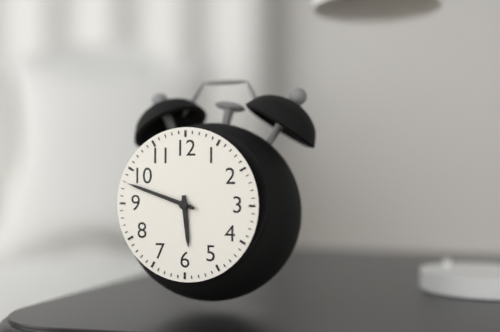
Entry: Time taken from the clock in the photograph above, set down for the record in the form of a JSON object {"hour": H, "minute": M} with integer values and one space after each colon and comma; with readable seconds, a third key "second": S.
{"hour": 5, "minute": 48}
